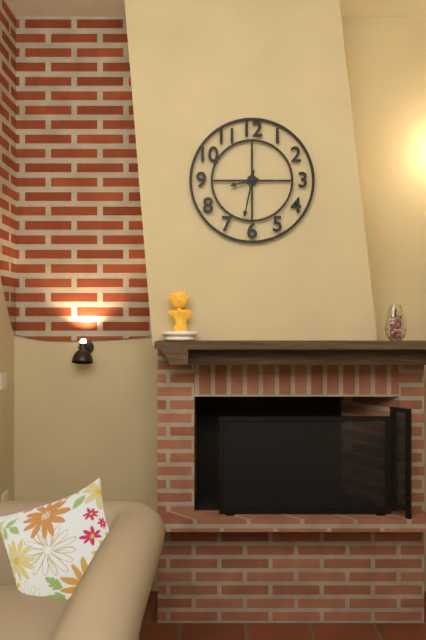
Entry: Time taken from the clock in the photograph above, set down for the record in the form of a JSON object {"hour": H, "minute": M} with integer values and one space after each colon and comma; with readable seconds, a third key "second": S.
{"hour": 8, "minute": 32}
